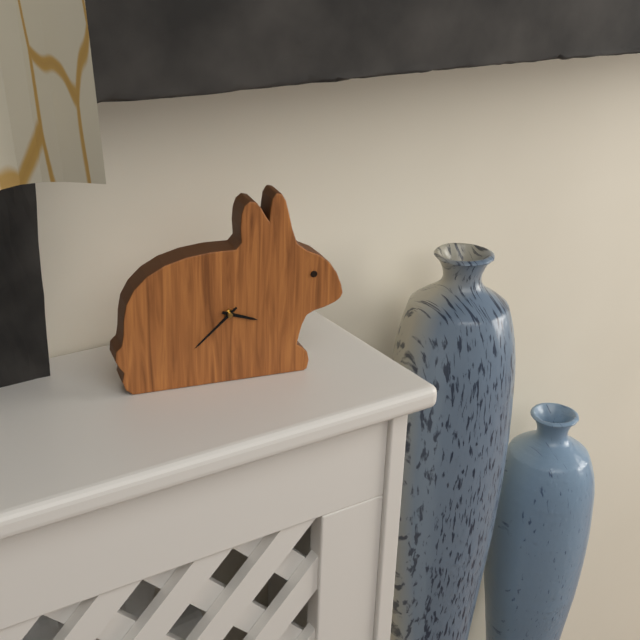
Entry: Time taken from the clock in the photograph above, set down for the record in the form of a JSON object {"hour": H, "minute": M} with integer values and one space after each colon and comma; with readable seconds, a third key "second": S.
{"hour": 3, "minute": 38}
